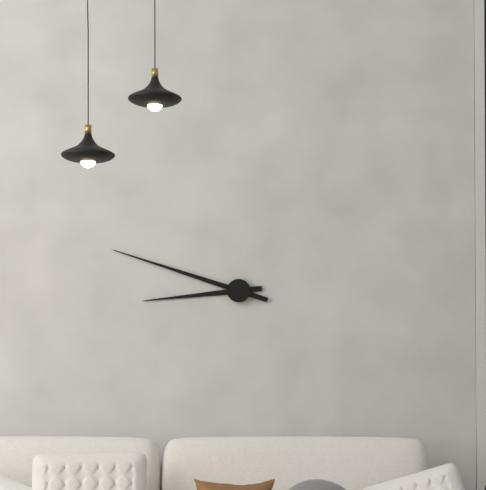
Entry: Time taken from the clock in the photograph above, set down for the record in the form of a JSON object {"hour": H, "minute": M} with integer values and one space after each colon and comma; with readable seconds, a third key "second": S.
{"hour": 8, "minute": 48}
